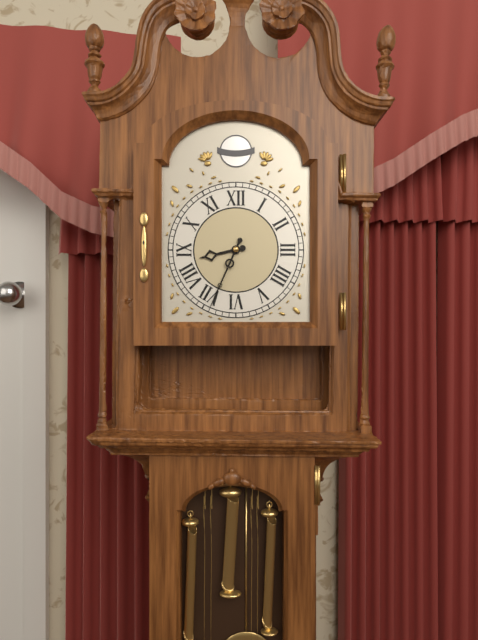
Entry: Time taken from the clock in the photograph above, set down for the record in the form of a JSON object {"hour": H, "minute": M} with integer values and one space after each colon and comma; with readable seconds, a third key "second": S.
{"hour": 8, "minute": 34}
